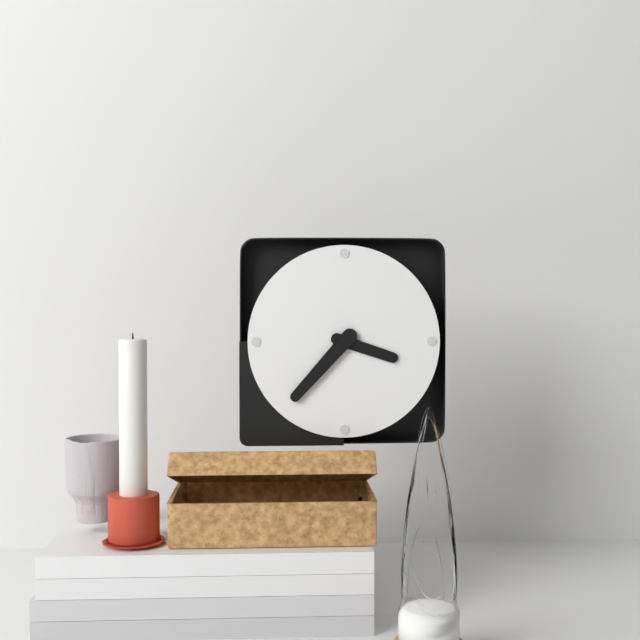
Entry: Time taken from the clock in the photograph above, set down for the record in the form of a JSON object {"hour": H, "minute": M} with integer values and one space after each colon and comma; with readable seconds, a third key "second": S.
{"hour": 3, "minute": 37}
